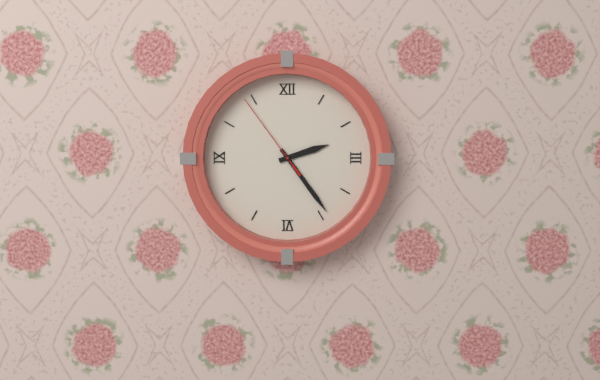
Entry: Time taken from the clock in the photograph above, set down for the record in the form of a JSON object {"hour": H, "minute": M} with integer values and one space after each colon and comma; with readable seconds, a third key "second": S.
{"hour": 2, "minute": 24, "second": 54}
